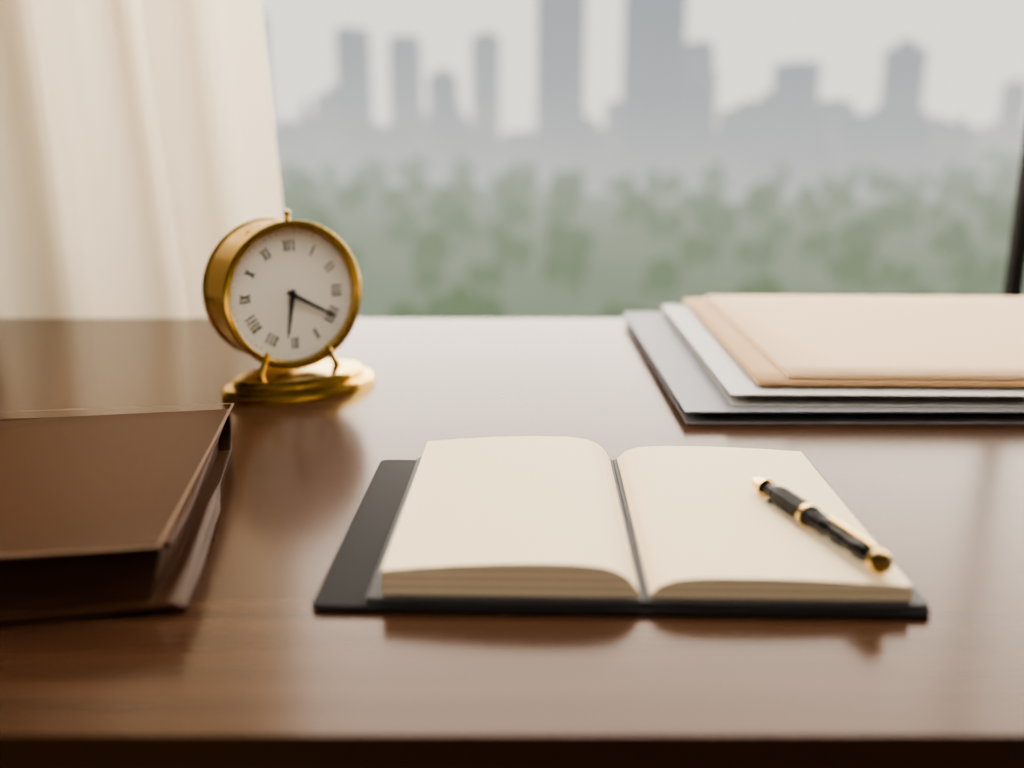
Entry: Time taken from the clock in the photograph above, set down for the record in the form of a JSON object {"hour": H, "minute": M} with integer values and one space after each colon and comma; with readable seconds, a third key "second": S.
{"hour": 6, "minute": 20}
